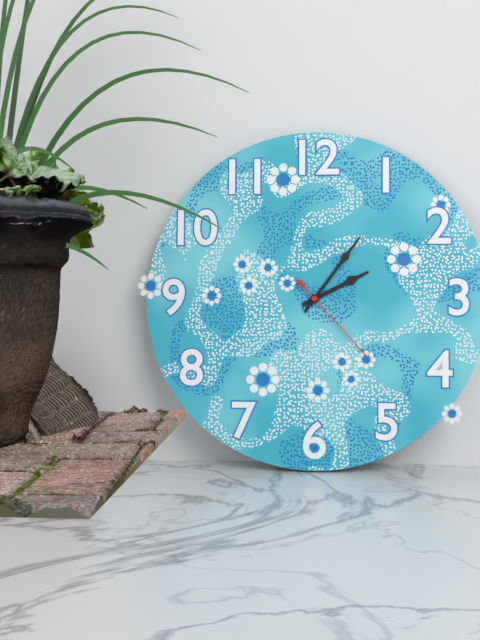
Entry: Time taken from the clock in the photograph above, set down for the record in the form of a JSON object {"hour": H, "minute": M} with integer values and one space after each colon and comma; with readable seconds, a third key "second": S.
{"hour": 2, "minute": 6, "second": 23}
